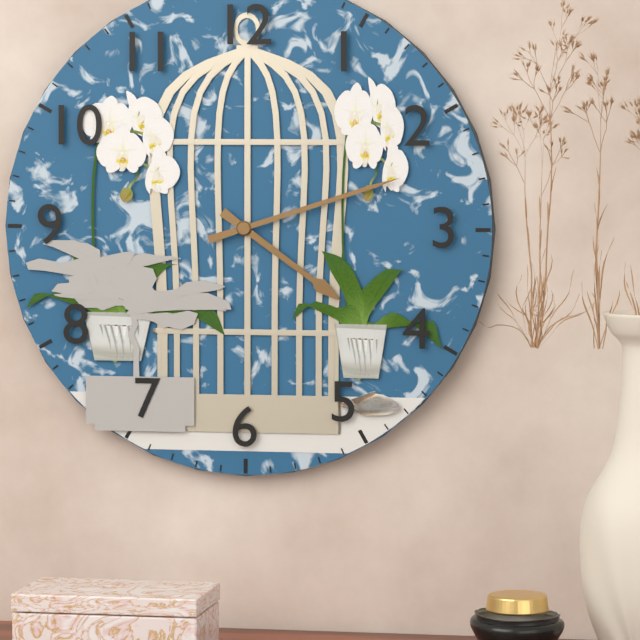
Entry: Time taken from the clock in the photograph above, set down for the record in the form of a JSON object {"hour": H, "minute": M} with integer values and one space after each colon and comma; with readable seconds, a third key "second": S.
{"hour": 4, "minute": 12}
